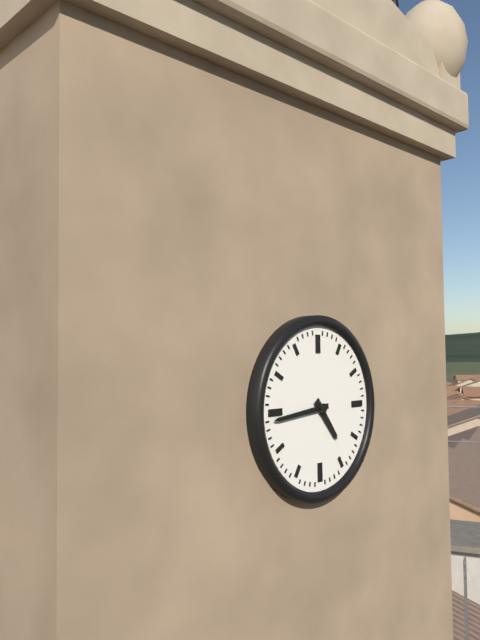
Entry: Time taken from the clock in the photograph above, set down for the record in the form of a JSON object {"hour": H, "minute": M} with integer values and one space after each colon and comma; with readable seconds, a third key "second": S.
{"hour": 4, "minute": 44}
